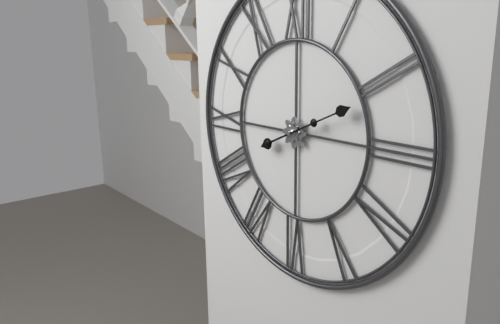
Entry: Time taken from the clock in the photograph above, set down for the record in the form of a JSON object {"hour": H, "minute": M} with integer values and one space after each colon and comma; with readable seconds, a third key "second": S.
{"hour": 8, "minute": 11}
